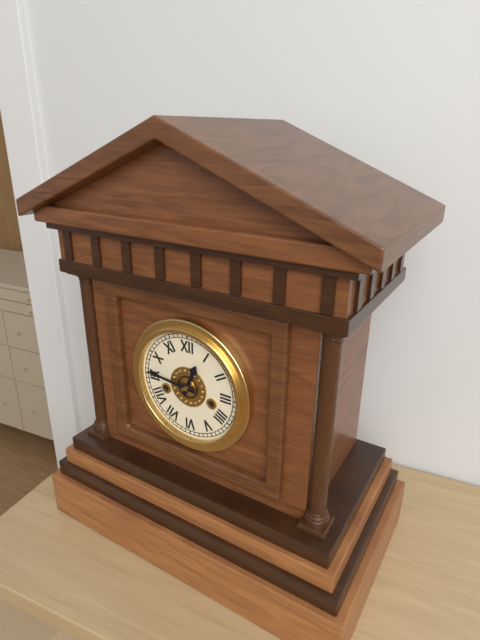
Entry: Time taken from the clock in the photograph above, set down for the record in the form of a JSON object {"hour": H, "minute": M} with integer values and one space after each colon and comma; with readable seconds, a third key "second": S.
{"hour": 12, "minute": 46}
